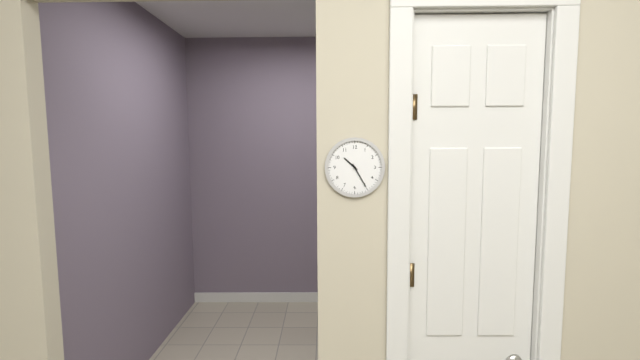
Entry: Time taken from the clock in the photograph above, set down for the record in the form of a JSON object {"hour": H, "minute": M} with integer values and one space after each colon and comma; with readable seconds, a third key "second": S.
{"hour": 10, "minute": 25}
